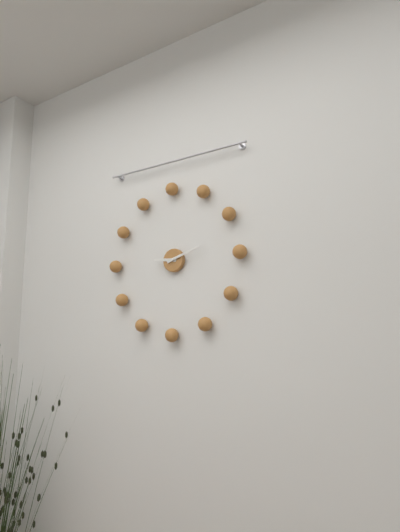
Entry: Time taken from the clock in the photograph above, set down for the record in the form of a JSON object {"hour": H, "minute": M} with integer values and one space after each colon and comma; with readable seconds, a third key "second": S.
{"hour": 9, "minute": 12}
